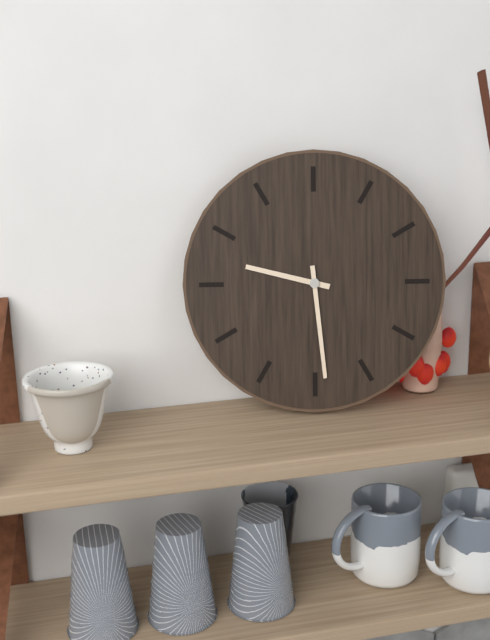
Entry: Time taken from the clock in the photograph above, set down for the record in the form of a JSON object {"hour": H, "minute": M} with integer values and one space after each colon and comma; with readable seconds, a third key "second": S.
{"hour": 9, "minute": 29}
